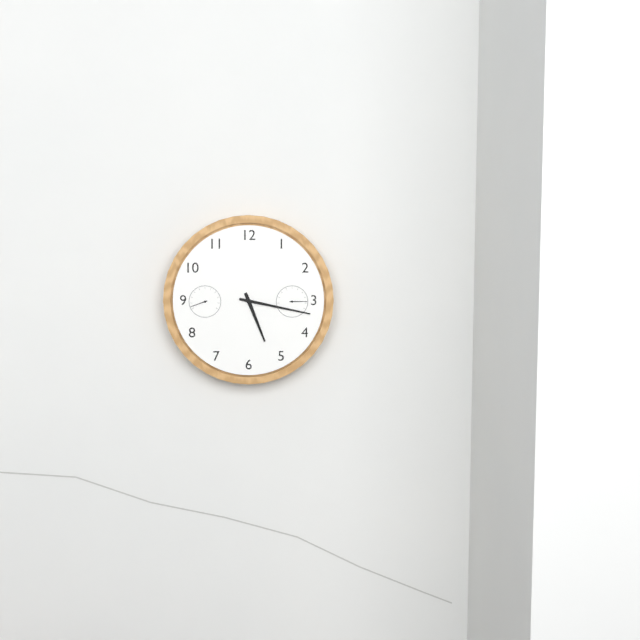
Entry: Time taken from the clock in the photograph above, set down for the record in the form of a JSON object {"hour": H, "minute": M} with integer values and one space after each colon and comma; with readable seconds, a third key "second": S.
{"hour": 5, "minute": 17}
